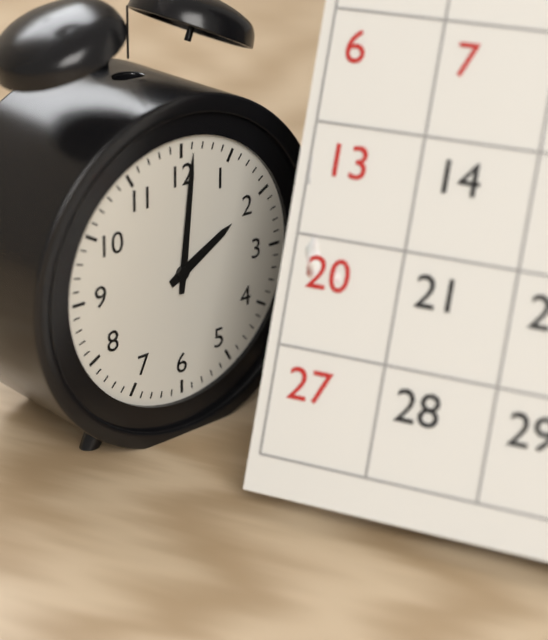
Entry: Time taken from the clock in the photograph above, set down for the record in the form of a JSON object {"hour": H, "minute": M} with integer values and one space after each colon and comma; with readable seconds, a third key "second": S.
{"hour": 2, "minute": 1}
